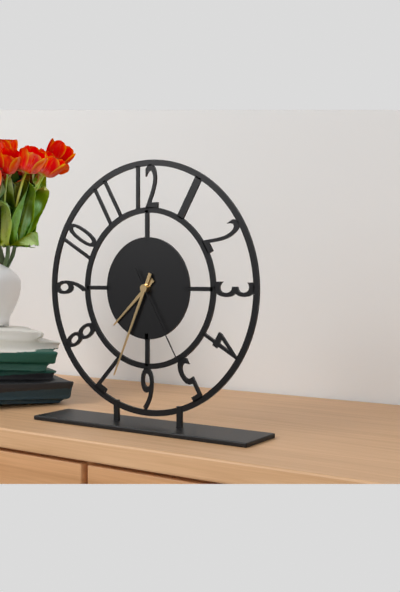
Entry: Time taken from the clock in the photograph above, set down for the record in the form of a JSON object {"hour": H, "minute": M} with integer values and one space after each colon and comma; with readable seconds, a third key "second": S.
{"hour": 7, "minute": 34, "second": 25}
